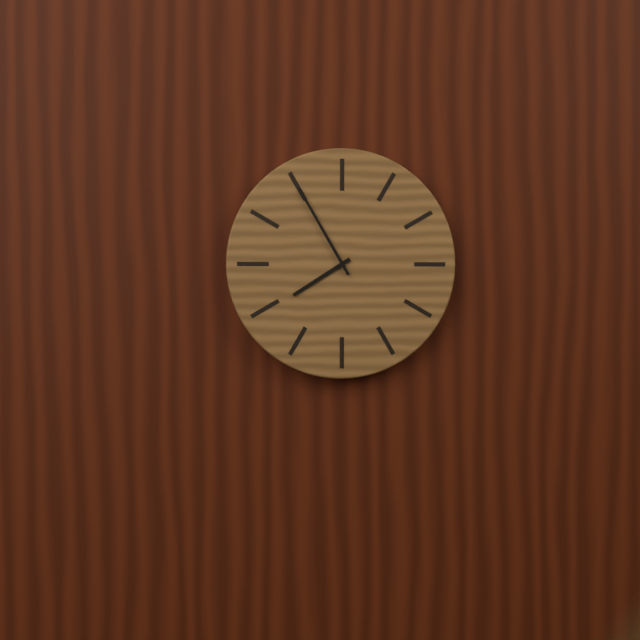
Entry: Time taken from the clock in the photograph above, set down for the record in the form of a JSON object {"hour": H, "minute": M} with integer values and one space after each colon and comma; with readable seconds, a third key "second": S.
{"hour": 7, "minute": 55}
